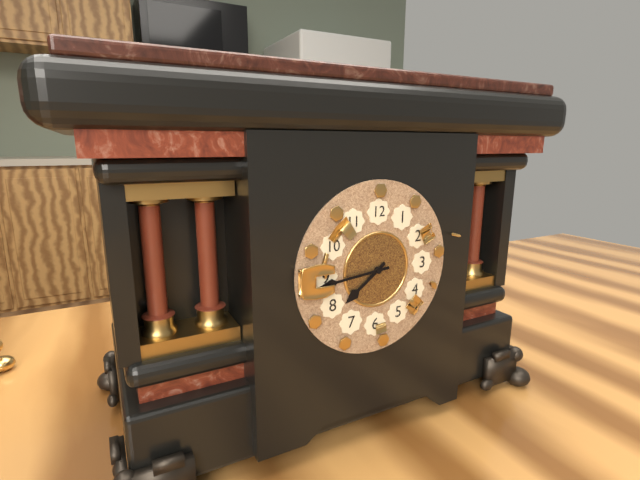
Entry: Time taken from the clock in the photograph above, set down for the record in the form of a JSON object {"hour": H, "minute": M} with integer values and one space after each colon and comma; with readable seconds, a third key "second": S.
{"hour": 7, "minute": 44}
